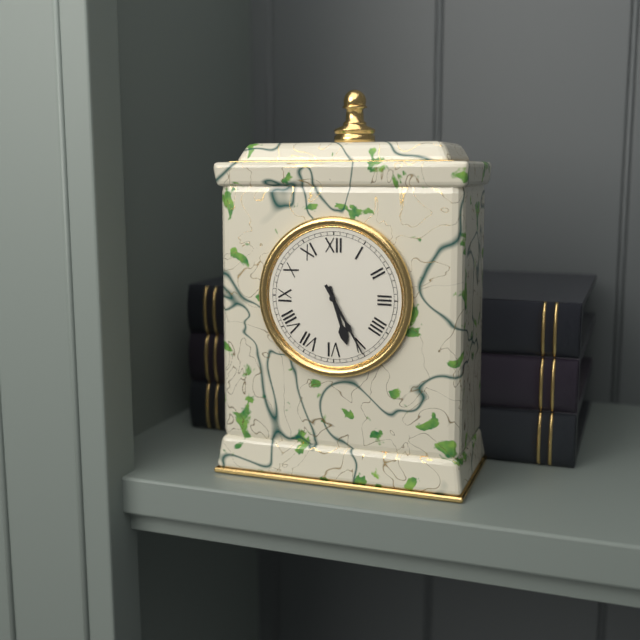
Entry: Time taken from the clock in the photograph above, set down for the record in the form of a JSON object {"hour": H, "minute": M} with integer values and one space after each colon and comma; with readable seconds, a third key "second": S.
{"hour": 5, "minute": 25}
